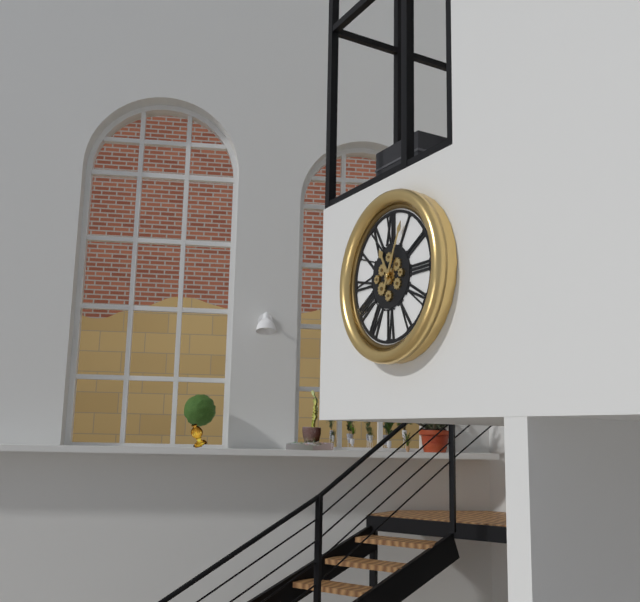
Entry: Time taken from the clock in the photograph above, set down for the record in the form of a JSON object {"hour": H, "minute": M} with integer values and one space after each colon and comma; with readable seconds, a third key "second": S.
{"hour": 11, "minute": 4}
